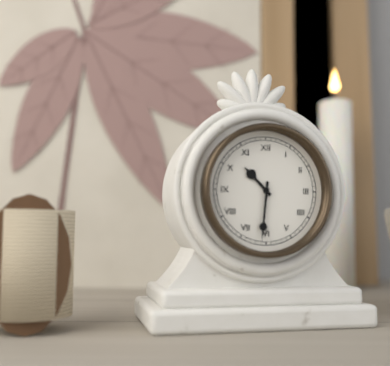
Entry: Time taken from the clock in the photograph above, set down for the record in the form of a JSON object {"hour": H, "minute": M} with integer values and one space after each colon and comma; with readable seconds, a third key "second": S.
{"hour": 10, "minute": 31}
